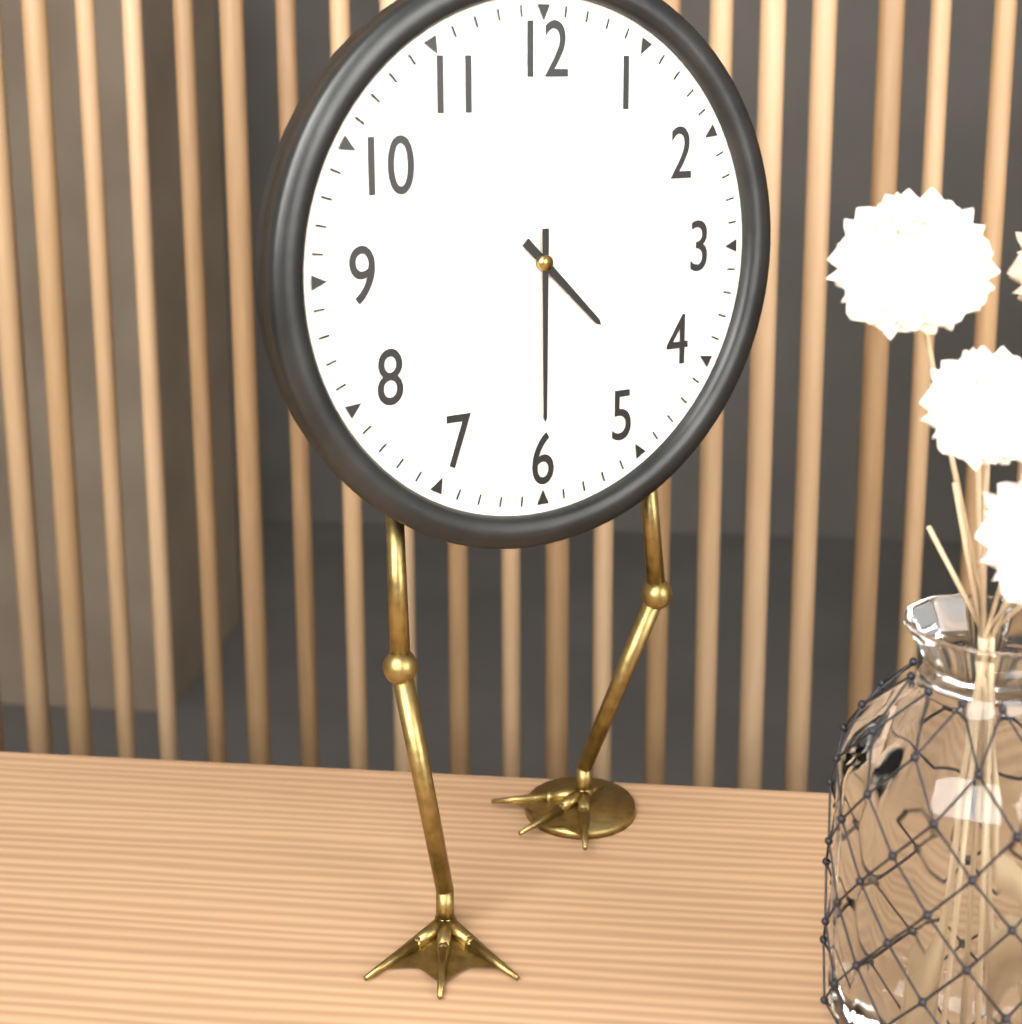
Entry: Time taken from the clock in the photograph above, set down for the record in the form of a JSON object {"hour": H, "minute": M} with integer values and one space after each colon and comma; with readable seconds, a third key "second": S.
{"hour": 4, "minute": 30}
